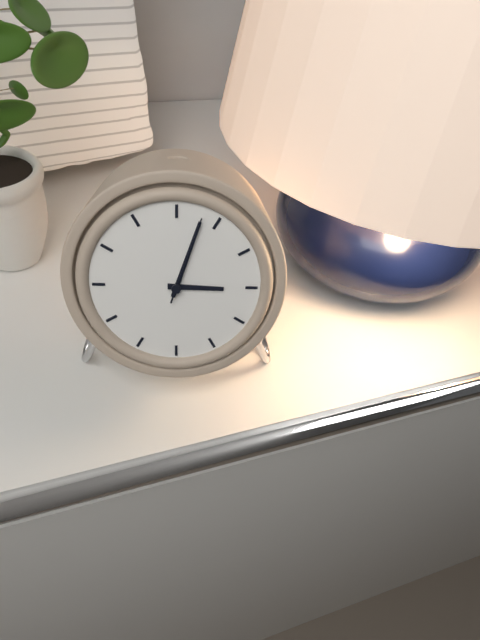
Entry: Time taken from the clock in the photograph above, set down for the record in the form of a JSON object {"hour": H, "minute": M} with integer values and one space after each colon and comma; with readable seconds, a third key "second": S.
{"hour": 3, "minute": 3, "second": 3}
